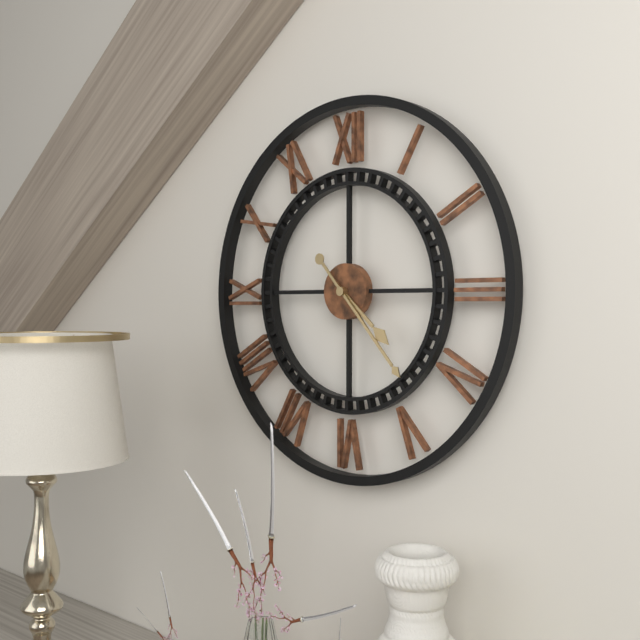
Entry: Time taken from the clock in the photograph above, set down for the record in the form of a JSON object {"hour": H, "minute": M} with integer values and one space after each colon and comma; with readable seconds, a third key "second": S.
{"hour": 4, "minute": 23}
